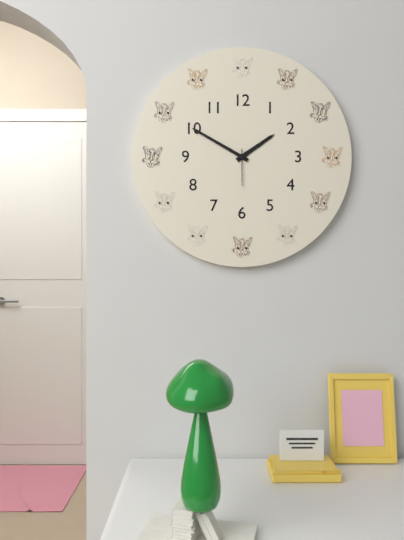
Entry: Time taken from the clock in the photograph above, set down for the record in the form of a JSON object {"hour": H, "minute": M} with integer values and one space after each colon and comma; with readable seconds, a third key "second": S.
{"hour": 1, "minute": 50}
